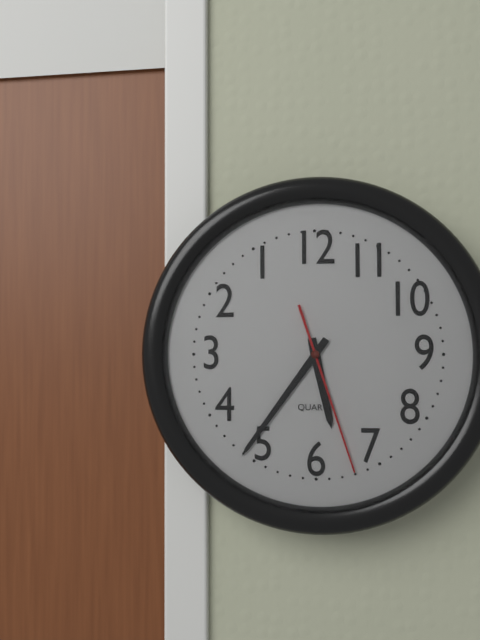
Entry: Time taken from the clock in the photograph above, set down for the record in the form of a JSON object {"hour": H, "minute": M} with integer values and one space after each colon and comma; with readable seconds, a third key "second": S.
{"hour": 5, "minute": 36, "second": 27}
